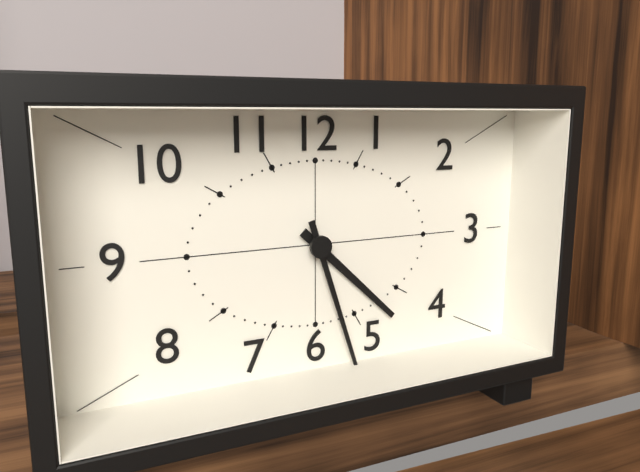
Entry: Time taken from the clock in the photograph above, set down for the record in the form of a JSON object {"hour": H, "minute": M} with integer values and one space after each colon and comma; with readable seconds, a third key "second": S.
{"hour": 4, "minute": 27}
